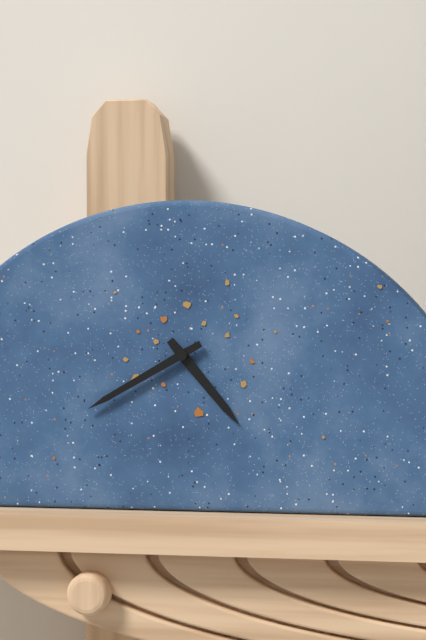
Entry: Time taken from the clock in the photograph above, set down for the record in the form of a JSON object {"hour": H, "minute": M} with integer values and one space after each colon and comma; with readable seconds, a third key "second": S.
{"hour": 4, "minute": 40}
